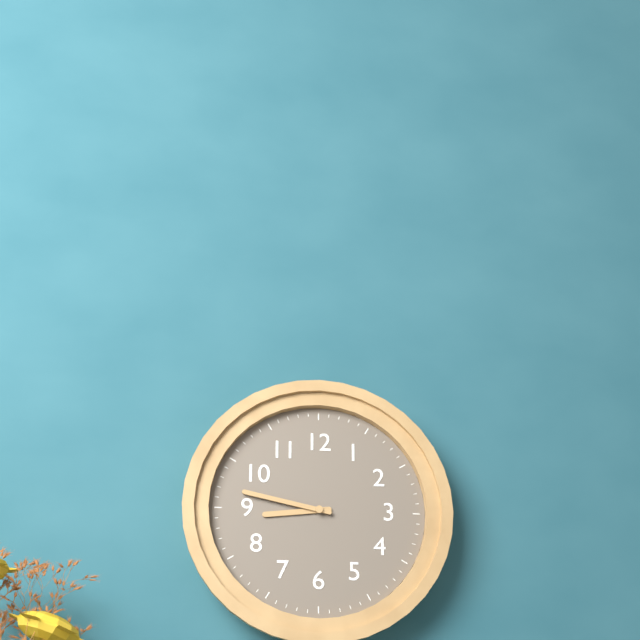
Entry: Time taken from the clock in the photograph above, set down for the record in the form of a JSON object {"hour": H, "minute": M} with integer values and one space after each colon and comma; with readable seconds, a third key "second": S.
{"hour": 8, "minute": 47}
